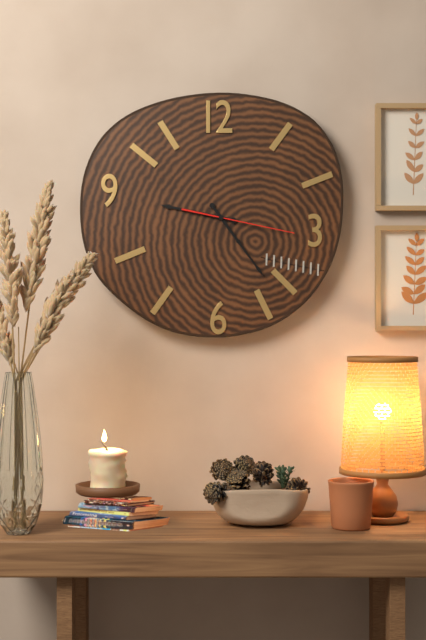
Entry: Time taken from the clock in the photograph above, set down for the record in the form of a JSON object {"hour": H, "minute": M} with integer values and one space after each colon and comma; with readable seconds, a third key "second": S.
{"hour": 9, "minute": 24, "second": 17}
